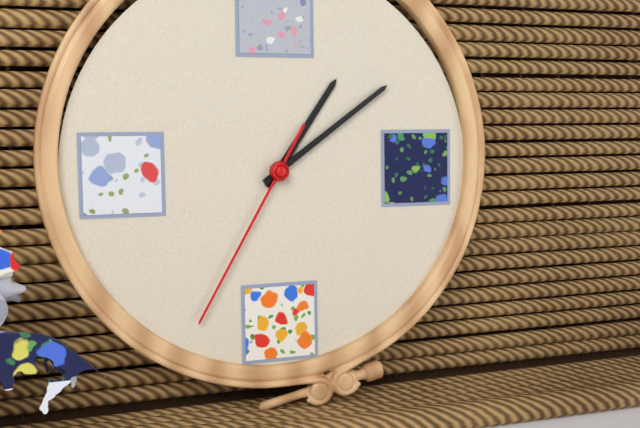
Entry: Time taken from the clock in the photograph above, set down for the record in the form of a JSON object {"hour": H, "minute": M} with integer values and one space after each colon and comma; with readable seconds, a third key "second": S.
{"hour": 1, "minute": 9, "second": 35}
